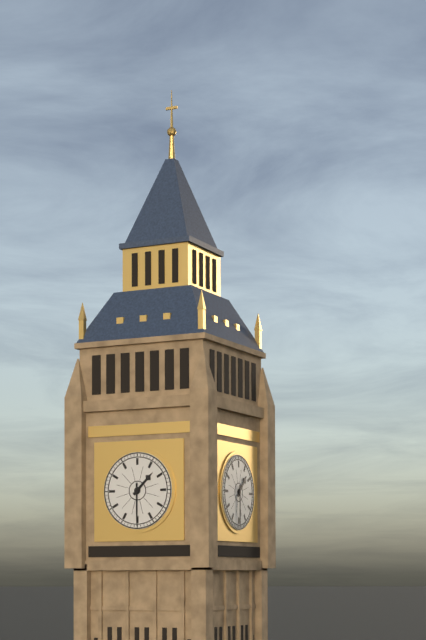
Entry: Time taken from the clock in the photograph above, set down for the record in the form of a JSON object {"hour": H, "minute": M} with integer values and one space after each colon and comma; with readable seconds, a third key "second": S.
{"hour": 1, "minute": 30}
